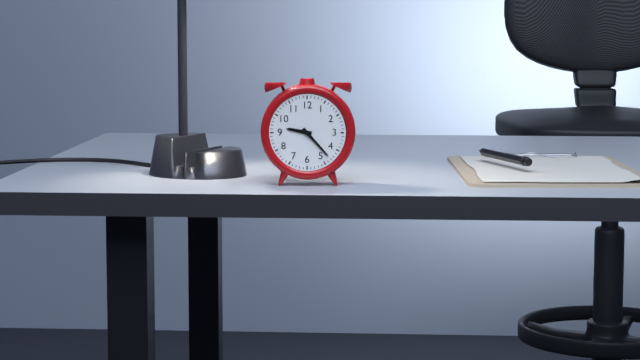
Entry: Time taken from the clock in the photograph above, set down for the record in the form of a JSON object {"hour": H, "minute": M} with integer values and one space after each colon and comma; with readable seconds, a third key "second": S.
{"hour": 9, "minute": 23}
